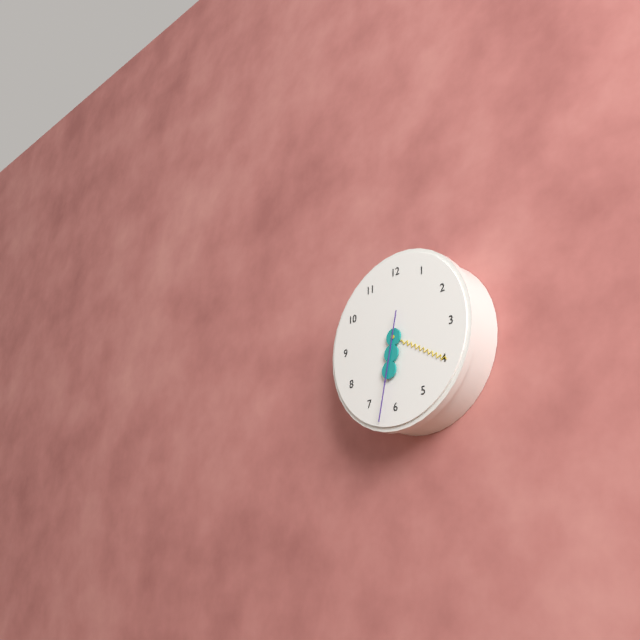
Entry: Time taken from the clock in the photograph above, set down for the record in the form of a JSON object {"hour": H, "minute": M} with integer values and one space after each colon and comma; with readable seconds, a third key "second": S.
{"hour": 6, "minute": 20, "second": 32}
